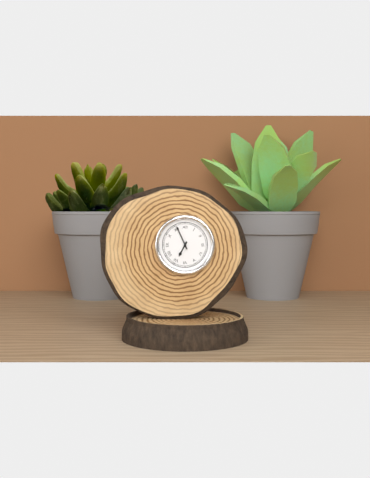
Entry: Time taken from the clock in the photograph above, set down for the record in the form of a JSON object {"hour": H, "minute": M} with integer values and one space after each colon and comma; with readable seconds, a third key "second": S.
{"hour": 6, "minute": 56}
